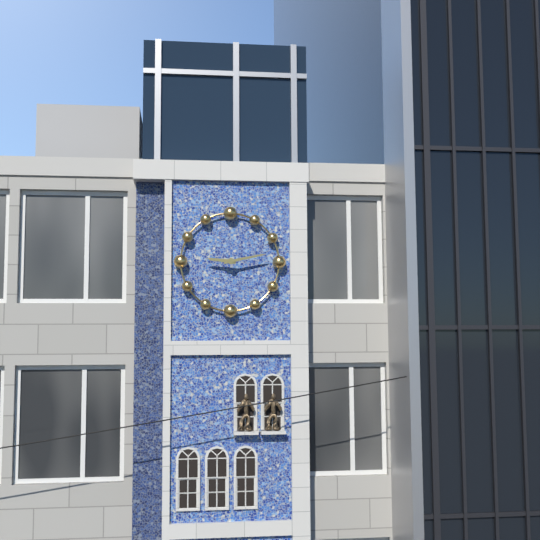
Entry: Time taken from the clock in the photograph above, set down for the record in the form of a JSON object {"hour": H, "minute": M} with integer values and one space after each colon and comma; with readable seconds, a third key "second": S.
{"hour": 9, "minute": 13}
